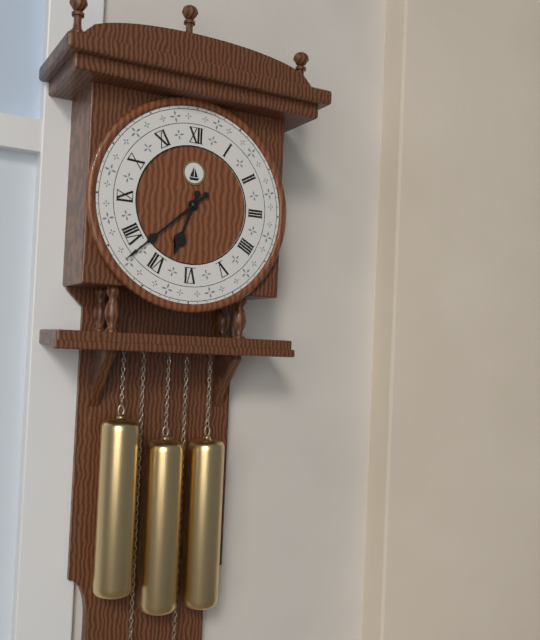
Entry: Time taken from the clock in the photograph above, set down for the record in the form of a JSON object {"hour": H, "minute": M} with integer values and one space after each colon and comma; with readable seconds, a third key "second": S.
{"hour": 6, "minute": 38}
